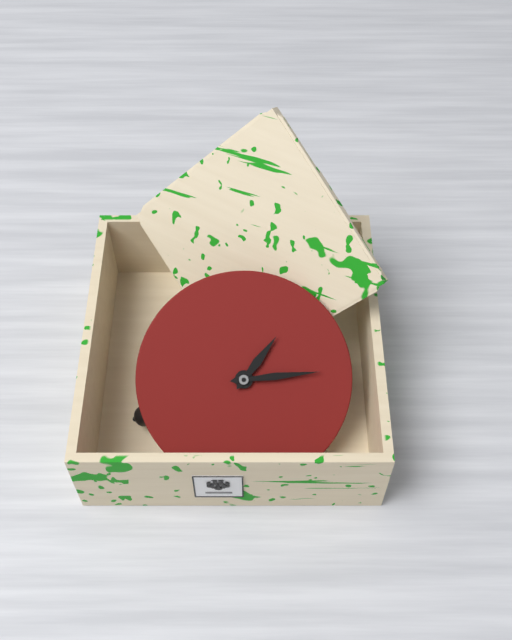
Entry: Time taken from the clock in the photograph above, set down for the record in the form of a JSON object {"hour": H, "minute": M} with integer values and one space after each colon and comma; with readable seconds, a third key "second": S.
{"hour": 1, "minute": 14}
